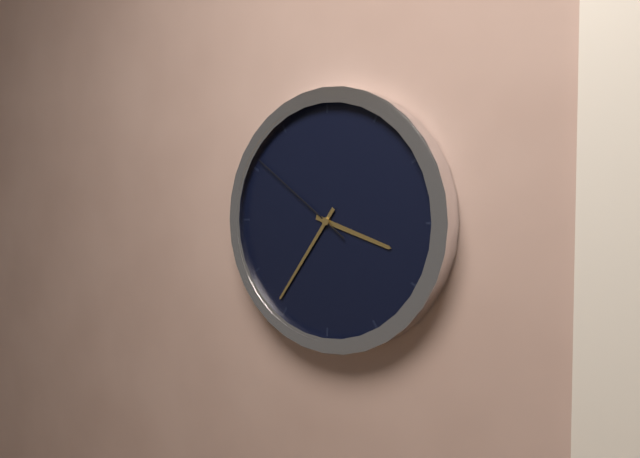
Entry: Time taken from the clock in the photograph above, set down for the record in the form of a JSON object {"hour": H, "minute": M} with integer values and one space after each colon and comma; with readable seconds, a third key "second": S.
{"hour": 3, "minute": 36, "second": 51}
